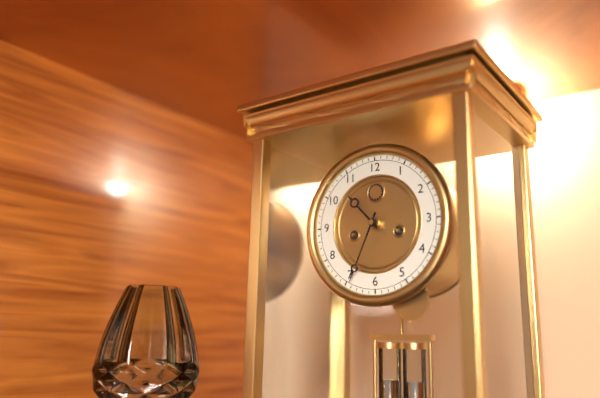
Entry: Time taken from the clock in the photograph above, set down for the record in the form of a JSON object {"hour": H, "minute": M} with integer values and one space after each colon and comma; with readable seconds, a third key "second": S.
{"hour": 10, "minute": 34}
